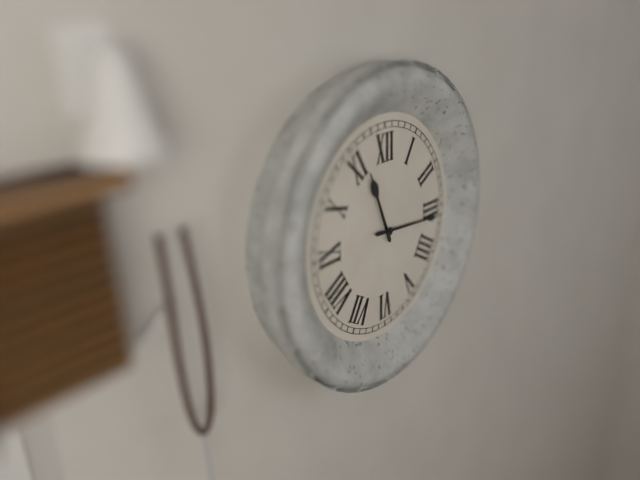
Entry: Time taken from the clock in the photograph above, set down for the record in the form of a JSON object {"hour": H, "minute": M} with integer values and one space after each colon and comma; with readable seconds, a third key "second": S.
{"hour": 11, "minute": 16}
